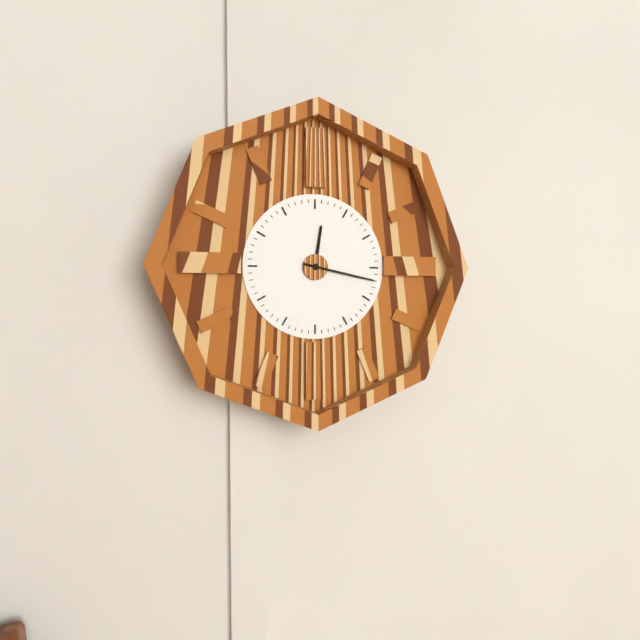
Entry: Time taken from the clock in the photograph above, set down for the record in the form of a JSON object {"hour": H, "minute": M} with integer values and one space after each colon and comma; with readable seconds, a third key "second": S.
{"hour": 12, "minute": 17}
